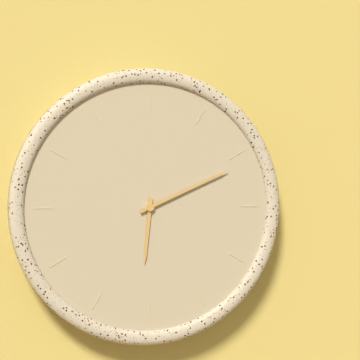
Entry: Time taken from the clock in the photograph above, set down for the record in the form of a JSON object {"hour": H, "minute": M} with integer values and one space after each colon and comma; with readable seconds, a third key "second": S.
{"hour": 6, "minute": 11}
